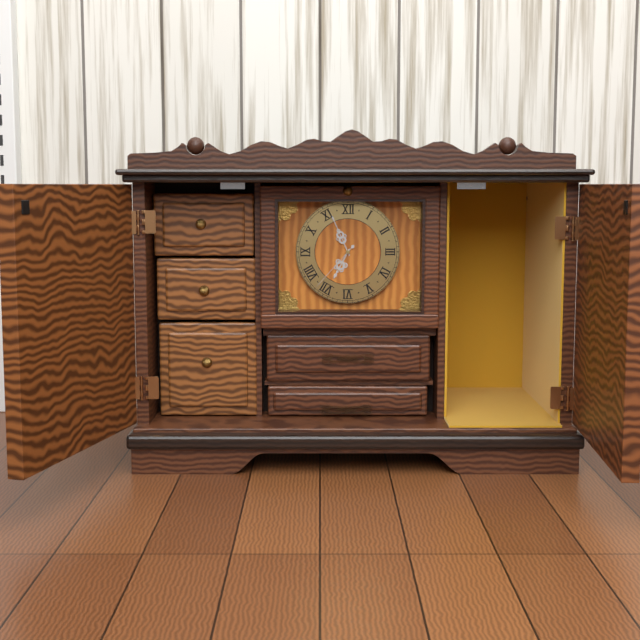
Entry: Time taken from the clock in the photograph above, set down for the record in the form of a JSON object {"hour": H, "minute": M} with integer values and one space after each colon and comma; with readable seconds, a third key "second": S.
{"hour": 6, "minute": 56, "second": 37}
